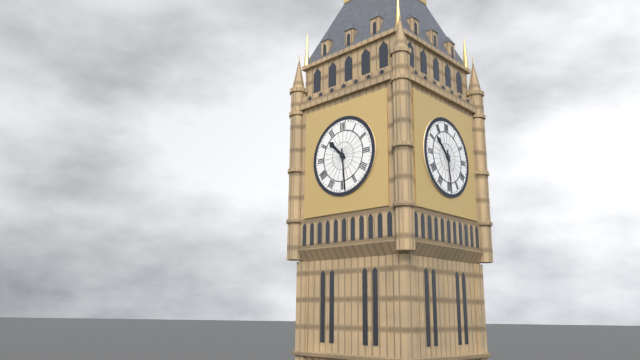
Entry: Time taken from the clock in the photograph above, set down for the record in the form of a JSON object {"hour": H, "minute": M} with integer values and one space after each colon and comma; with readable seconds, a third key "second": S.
{"hour": 10, "minute": 29}
